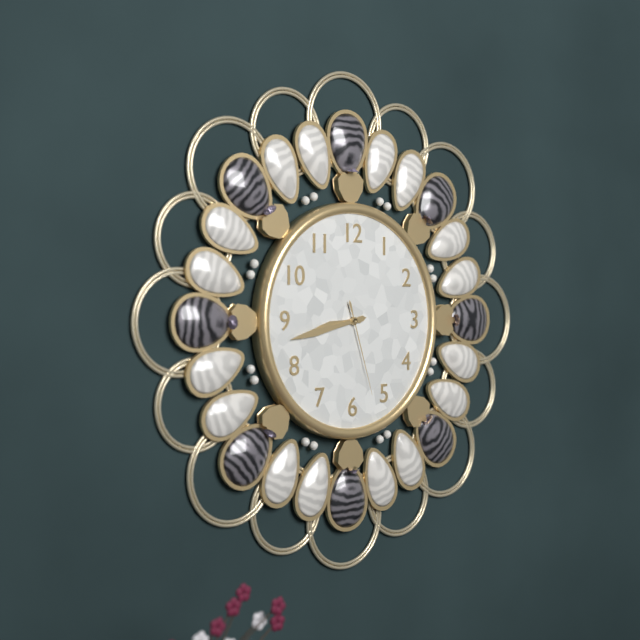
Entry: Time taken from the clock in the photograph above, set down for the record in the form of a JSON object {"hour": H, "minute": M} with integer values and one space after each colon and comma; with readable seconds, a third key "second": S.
{"hour": 8, "minute": 43, "second": 27}
